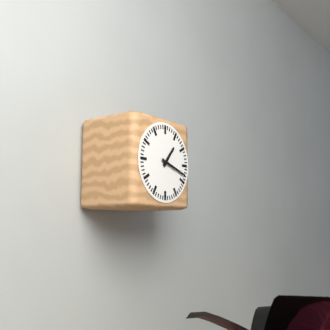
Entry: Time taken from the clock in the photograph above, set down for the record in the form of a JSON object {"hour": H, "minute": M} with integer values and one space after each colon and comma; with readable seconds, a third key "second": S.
{"hour": 1, "minute": 18}
